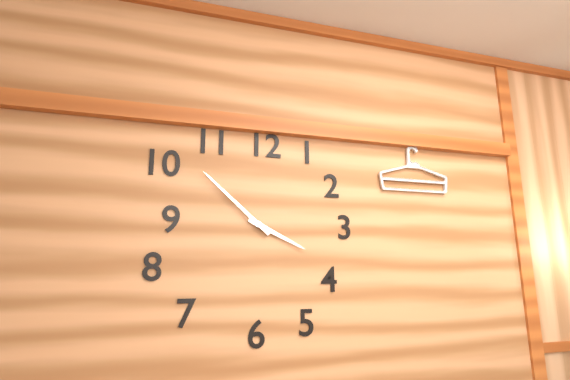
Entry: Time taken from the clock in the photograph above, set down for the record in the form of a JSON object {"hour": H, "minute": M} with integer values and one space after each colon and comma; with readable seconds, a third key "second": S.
{"hour": 3, "minute": 52}
